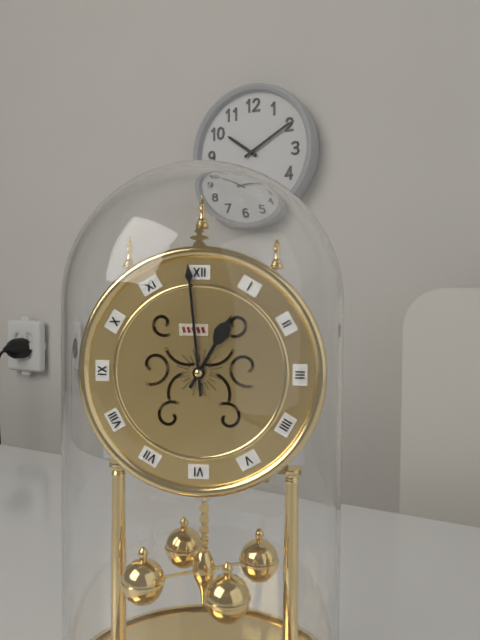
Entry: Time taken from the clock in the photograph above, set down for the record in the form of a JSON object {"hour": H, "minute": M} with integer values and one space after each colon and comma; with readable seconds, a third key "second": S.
{"hour": 12, "minute": 59}
